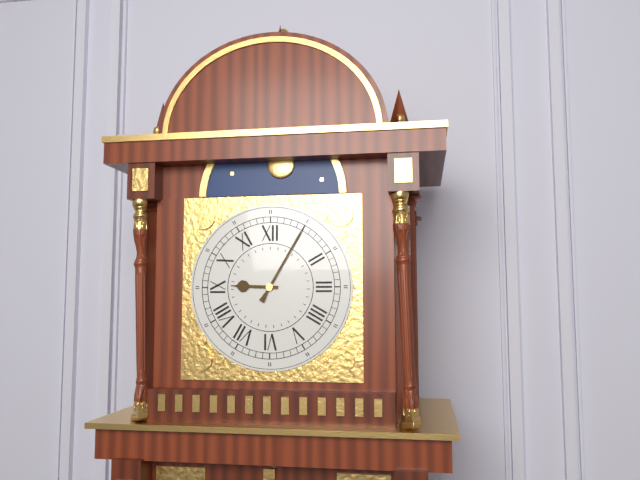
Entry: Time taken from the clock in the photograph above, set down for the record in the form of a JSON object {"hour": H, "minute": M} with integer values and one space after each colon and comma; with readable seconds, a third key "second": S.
{"hour": 9, "minute": 5}
